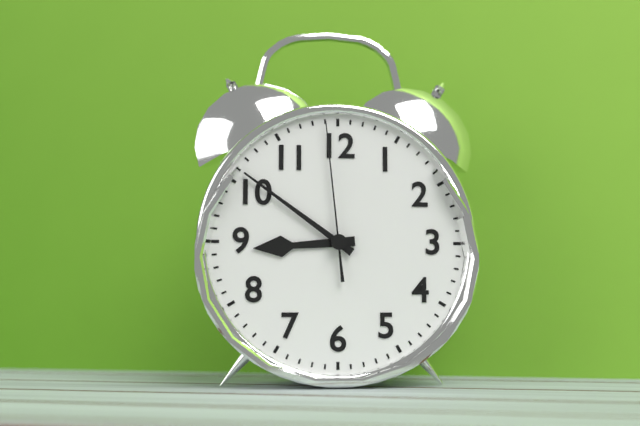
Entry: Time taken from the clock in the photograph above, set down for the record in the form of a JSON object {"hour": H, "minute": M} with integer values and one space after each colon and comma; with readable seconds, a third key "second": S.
{"hour": 8, "minute": 51, "second": 59}
